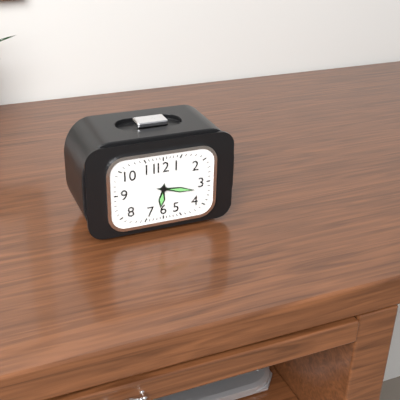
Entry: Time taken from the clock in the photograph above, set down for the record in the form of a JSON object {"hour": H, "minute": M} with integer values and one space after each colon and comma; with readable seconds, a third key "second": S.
{"hour": 6, "minute": 17}
